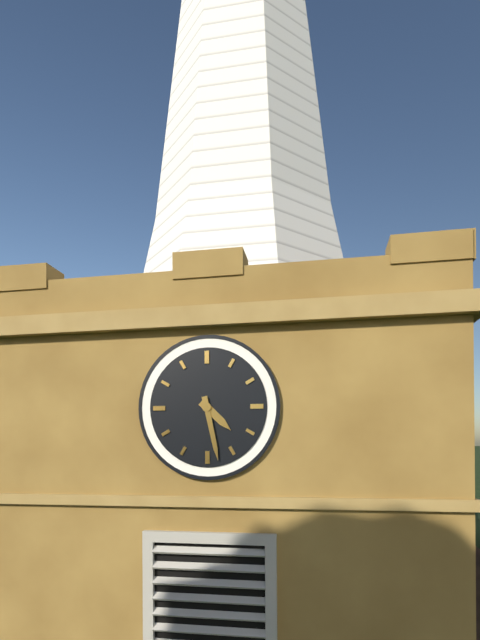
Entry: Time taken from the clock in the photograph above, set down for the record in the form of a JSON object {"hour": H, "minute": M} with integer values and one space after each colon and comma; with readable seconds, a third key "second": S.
{"hour": 4, "minute": 28}
